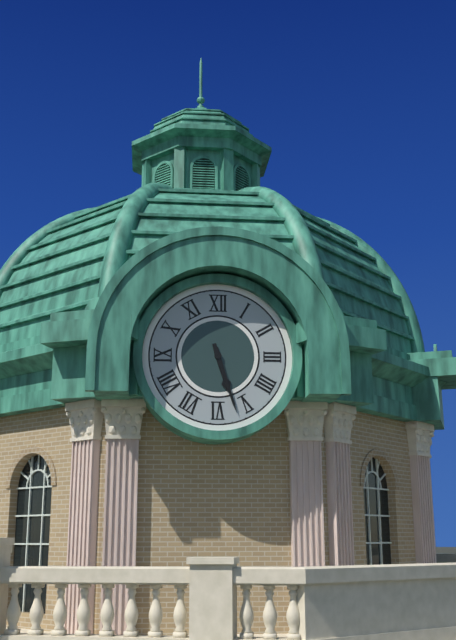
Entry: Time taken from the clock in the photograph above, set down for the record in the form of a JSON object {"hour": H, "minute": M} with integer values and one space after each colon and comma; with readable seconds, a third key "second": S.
{"hour": 5, "minute": 27}
